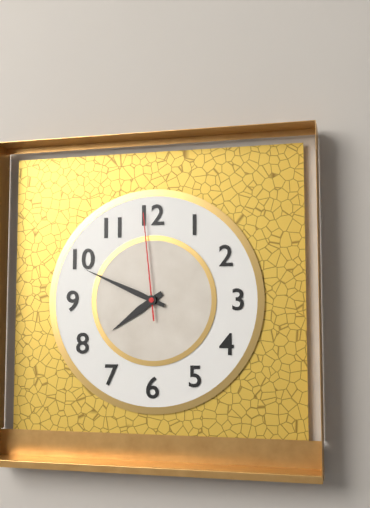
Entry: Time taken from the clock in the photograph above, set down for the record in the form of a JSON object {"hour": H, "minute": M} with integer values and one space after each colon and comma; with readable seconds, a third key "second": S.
{"hour": 7, "minute": 49, "second": 59}
